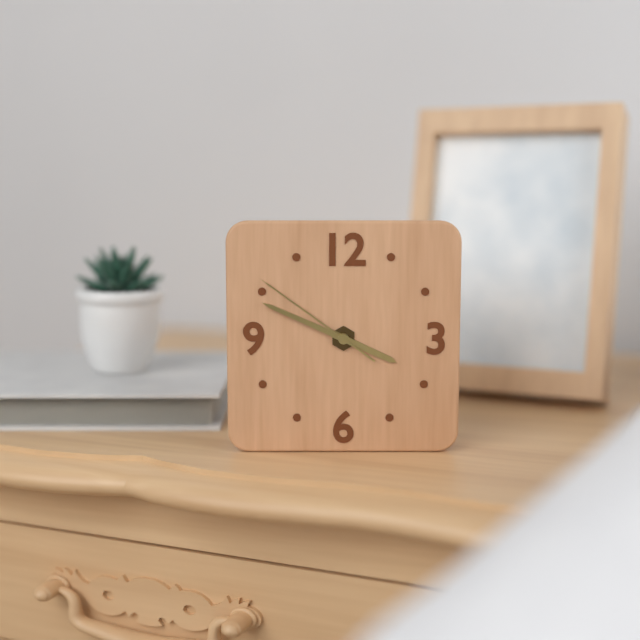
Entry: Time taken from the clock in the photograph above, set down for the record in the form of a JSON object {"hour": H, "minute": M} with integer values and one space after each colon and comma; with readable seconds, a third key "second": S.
{"hour": 3, "minute": 49, "second": 51}
